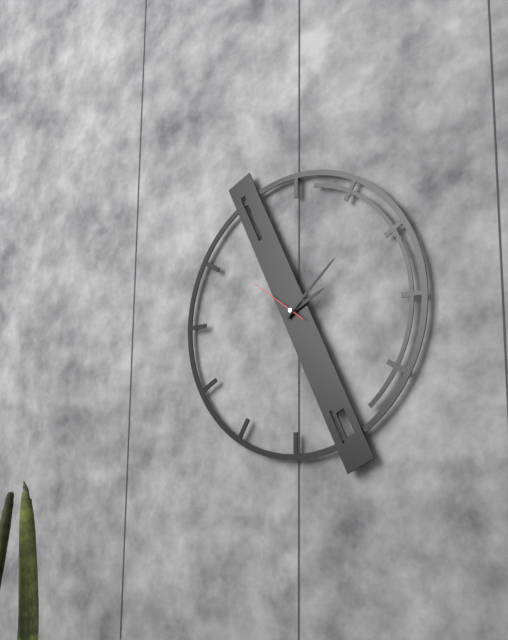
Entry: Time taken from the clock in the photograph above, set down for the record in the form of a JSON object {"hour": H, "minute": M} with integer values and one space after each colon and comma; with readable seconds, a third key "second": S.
{"hour": 2, "minute": 8, "second": 51}
